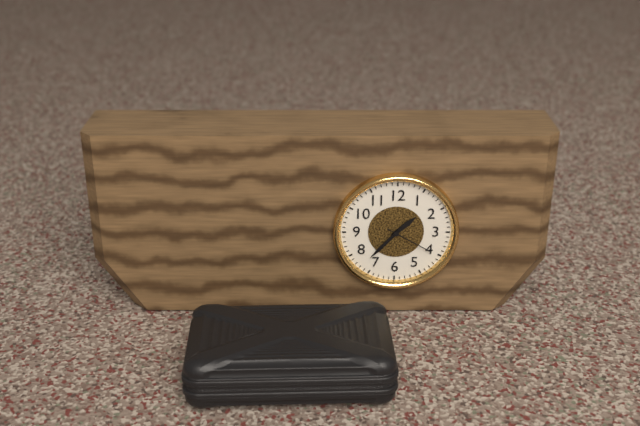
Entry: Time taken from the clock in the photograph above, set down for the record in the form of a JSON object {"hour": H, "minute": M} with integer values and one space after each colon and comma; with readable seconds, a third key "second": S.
{"hour": 1, "minute": 37}
